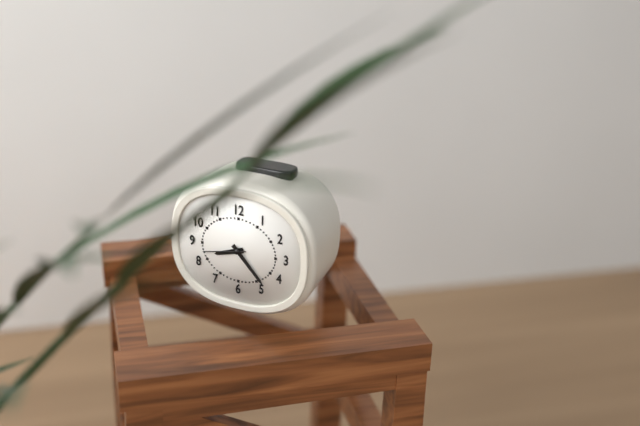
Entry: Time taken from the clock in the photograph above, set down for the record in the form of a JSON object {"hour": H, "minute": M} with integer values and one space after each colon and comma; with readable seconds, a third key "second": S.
{"hour": 8, "minute": 23}
